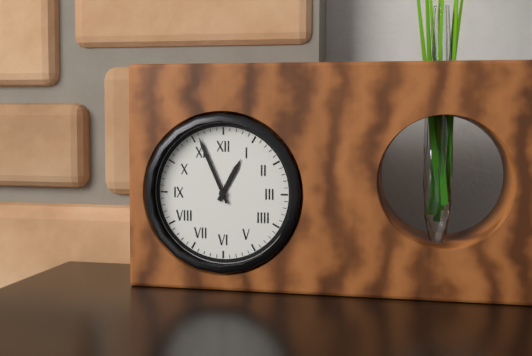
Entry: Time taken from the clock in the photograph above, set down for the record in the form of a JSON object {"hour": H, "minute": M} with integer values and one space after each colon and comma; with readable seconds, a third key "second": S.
{"hour": 12, "minute": 56}
